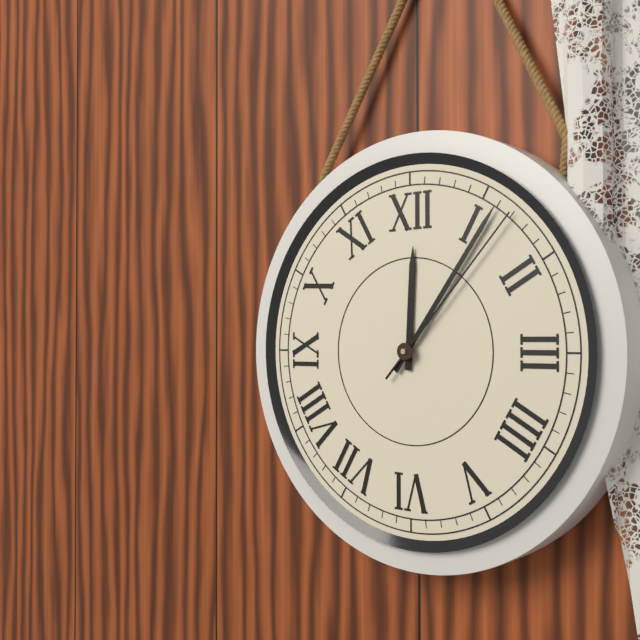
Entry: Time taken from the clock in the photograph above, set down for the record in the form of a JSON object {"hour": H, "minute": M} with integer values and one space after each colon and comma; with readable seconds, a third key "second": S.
{"hour": 12, "minute": 6, "second": 7}
